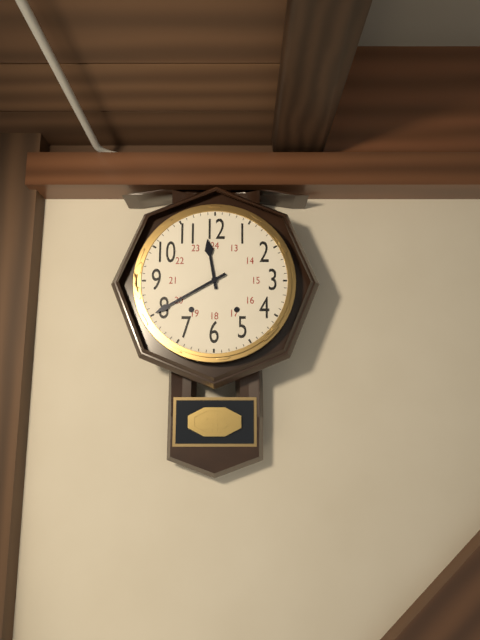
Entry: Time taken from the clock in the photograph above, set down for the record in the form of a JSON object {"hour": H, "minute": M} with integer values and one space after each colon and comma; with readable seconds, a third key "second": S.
{"hour": 11, "minute": 40}
